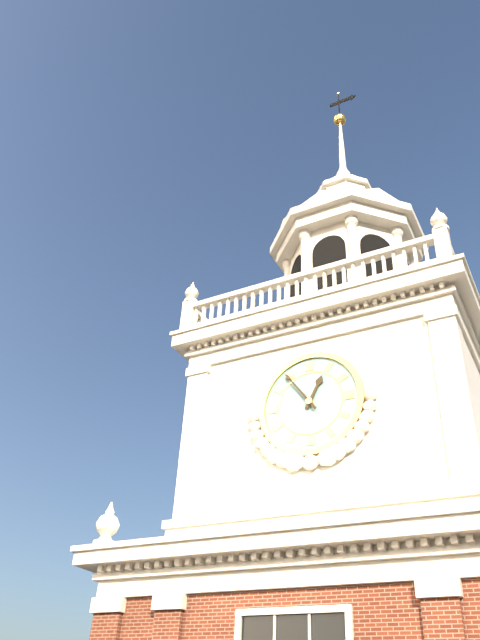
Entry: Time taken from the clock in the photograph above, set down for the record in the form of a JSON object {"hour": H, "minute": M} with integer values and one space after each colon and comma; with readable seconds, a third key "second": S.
{"hour": 12, "minute": 54}
